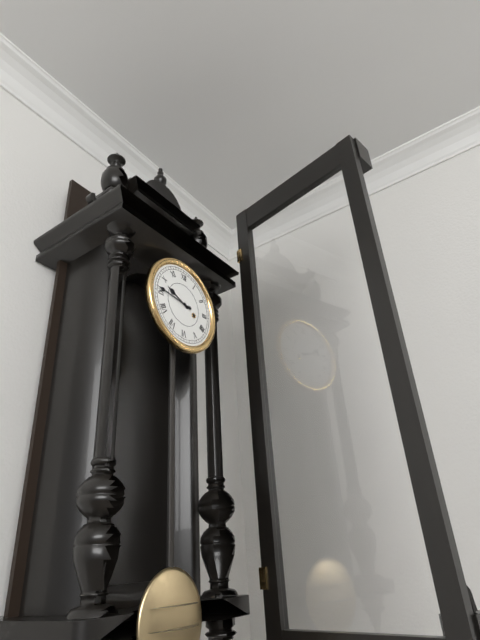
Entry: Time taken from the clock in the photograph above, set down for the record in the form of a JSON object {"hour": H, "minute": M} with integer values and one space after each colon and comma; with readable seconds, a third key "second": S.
{"hour": 9, "minute": 46}
